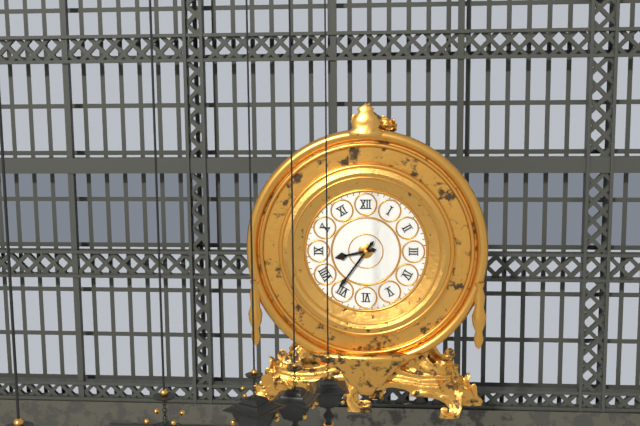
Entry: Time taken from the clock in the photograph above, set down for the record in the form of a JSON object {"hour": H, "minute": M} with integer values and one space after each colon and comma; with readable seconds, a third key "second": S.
{"hour": 8, "minute": 36}
